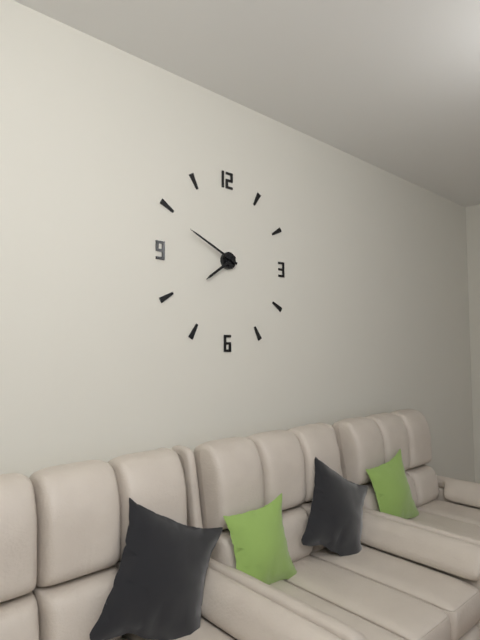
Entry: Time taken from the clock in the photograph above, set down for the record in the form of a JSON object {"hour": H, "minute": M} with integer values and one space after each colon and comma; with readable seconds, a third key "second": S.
{"hour": 7, "minute": 49}
